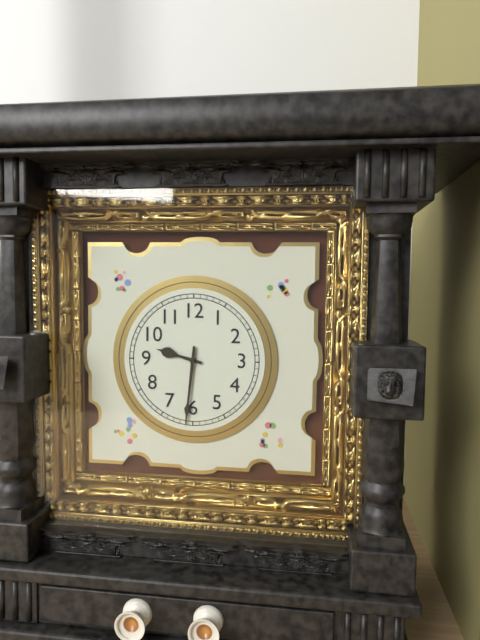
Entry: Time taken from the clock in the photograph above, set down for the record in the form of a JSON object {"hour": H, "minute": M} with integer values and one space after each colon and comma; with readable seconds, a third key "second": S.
{"hour": 9, "minute": 31}
